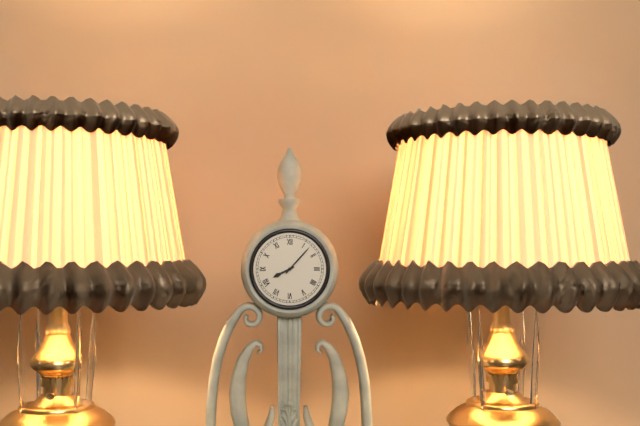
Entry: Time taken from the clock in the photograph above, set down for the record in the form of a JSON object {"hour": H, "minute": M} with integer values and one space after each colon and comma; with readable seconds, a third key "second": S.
{"hour": 8, "minute": 7}
